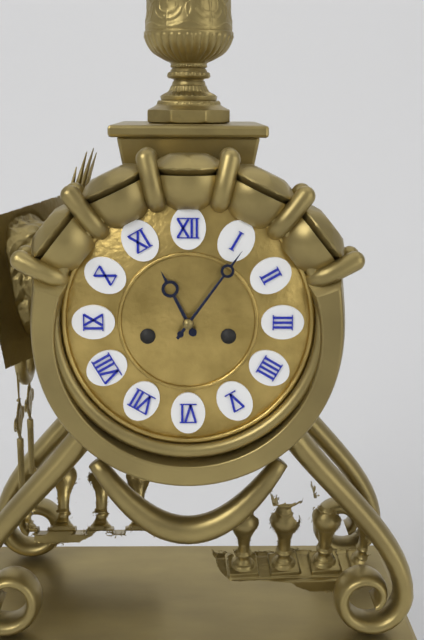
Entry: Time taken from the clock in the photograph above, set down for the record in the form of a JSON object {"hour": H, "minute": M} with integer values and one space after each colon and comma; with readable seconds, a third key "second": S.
{"hour": 11, "minute": 6}
